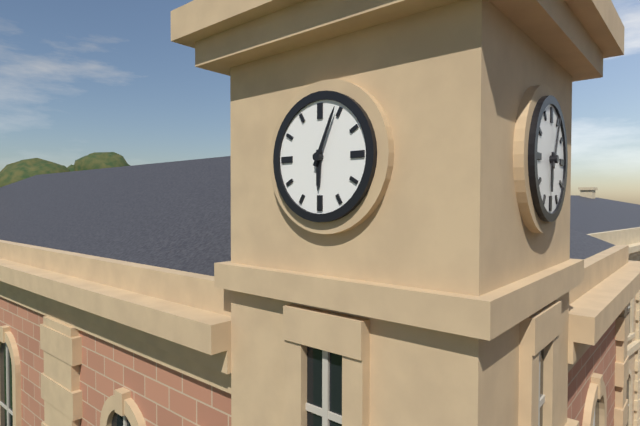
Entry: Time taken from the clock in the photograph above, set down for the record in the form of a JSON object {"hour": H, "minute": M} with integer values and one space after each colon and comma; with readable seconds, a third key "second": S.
{"hour": 6, "minute": 4}
